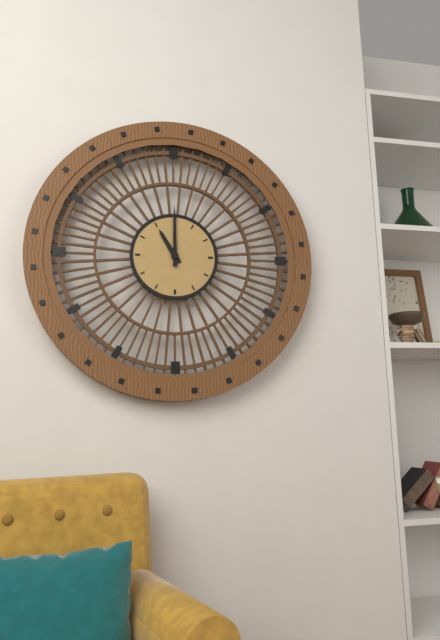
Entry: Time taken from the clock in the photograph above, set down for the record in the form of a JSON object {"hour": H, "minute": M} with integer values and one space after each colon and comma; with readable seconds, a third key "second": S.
{"hour": 11, "minute": 0}
